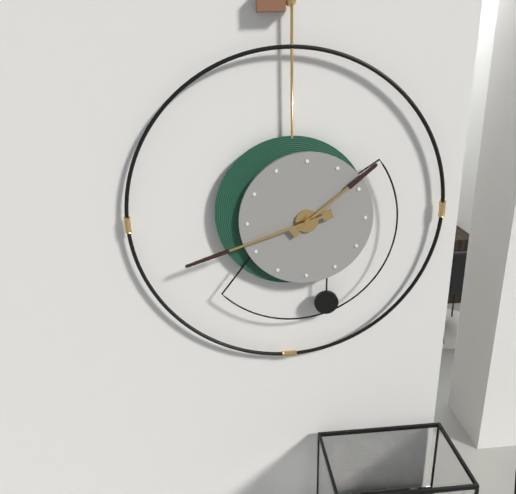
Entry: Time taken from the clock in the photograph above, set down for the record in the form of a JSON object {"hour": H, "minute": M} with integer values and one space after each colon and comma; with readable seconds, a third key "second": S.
{"hour": 1, "minute": 42}
